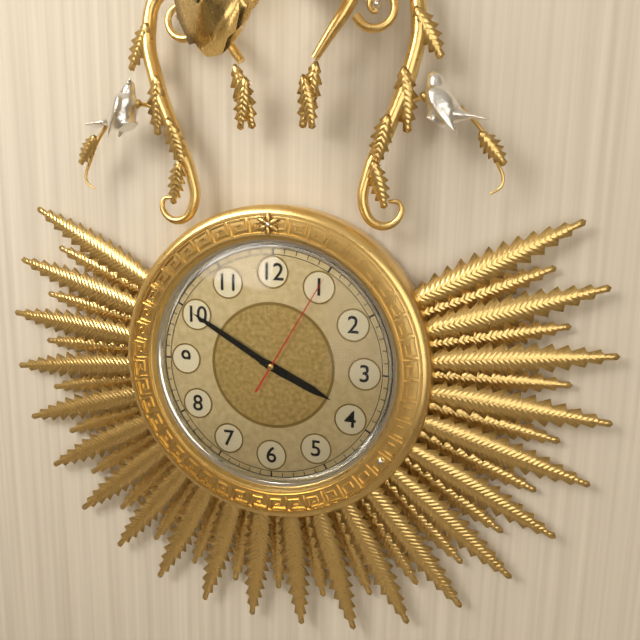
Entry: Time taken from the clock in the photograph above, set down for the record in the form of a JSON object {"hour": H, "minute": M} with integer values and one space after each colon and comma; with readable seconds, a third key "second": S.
{"hour": 3, "minute": 50, "second": 5}
